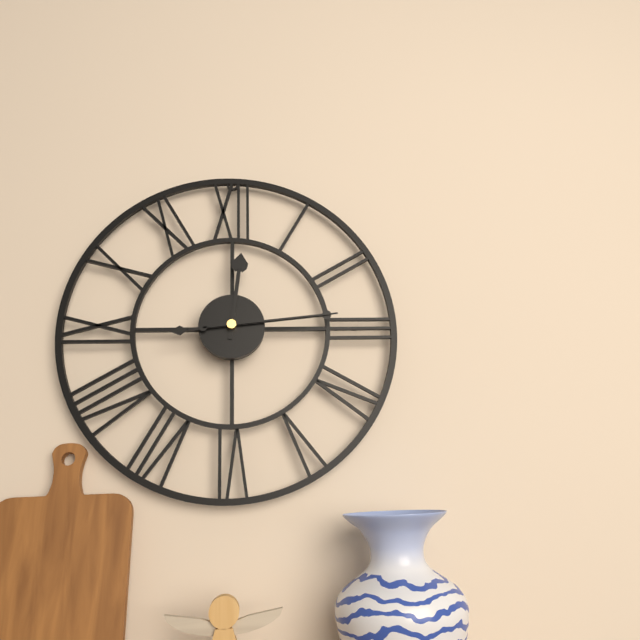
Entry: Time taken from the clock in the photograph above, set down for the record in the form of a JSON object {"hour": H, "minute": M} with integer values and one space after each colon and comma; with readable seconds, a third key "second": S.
{"hour": 12, "minute": 14, "second": 14}
